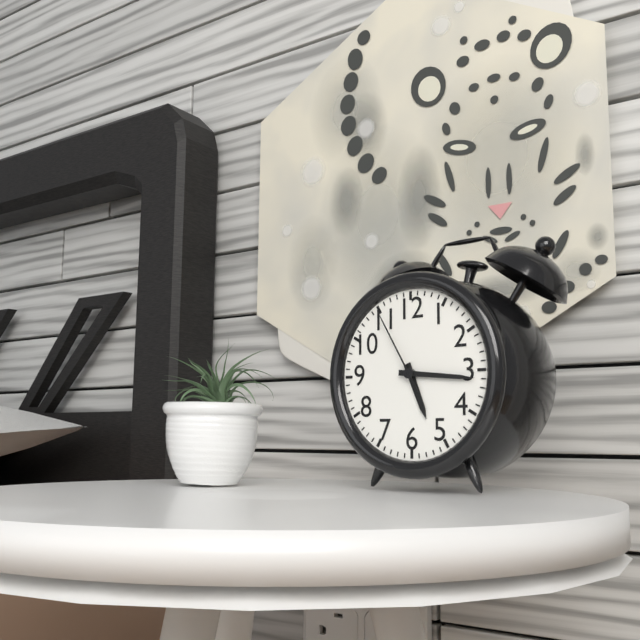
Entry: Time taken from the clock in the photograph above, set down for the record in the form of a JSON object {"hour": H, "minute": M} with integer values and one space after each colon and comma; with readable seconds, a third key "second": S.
{"hour": 5, "minute": 16, "second": 55}
